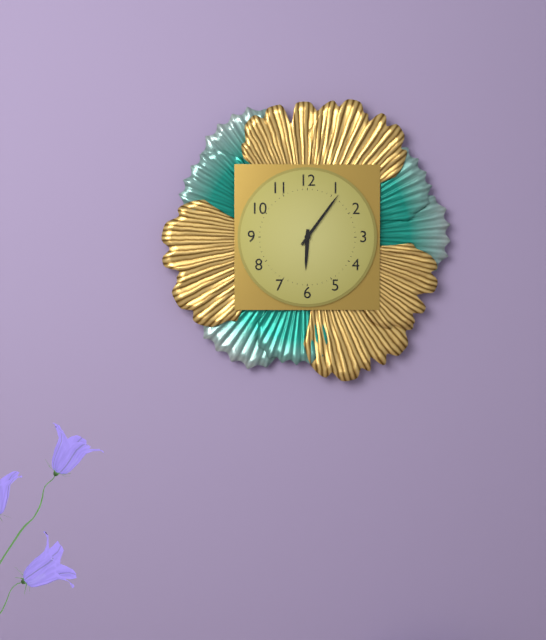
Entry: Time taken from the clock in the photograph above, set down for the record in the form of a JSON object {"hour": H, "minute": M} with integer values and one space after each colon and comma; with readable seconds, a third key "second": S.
{"hour": 6, "minute": 6}
